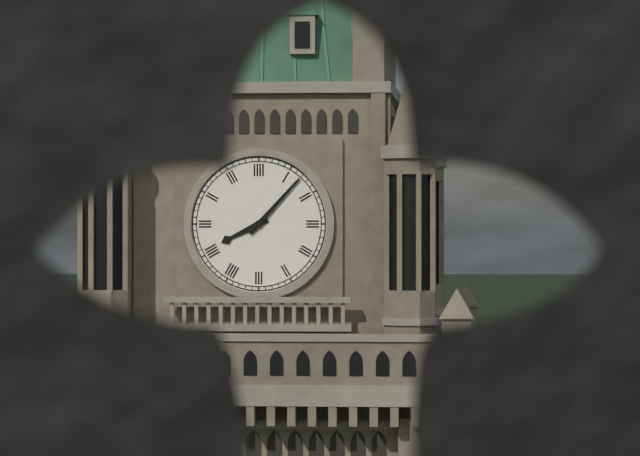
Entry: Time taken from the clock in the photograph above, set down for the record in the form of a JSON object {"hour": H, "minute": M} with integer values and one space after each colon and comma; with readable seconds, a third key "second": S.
{"hour": 8, "minute": 7}
